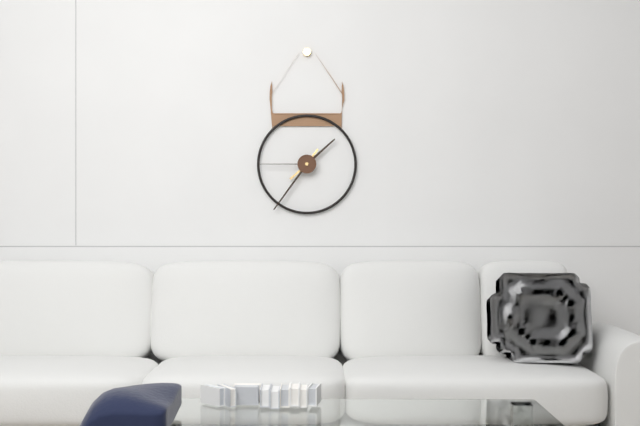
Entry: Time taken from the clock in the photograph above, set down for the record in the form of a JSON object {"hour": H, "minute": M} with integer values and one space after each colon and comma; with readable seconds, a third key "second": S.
{"hour": 1, "minute": 36, "second": 45}
